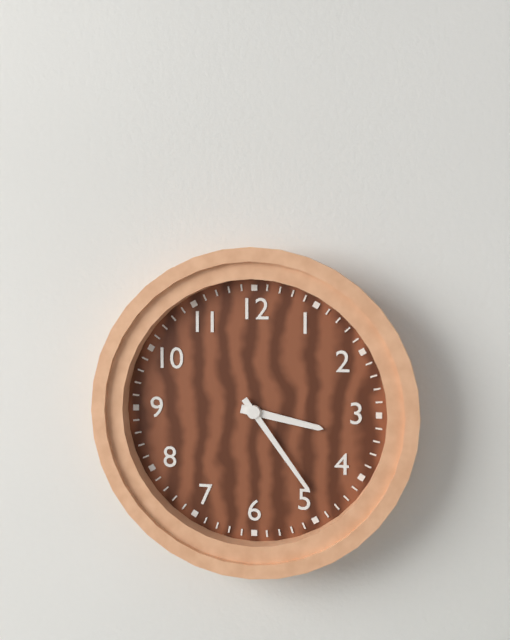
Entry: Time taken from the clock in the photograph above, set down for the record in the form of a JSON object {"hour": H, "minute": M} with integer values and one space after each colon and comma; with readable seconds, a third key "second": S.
{"hour": 3, "minute": 24}
